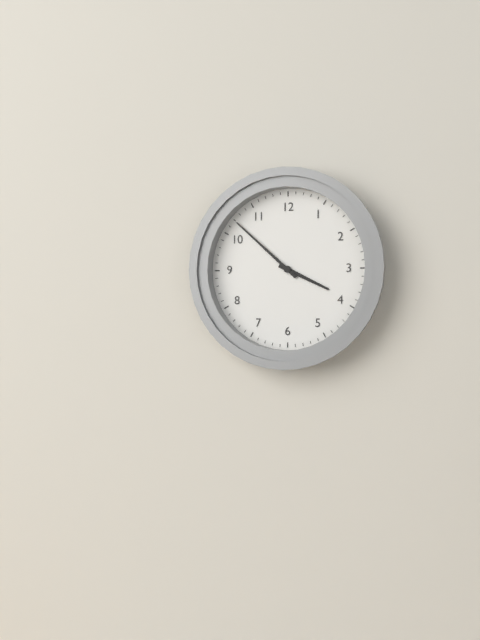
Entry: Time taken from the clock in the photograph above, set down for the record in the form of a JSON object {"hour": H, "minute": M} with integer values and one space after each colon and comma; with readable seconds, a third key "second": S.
{"hour": 3, "minute": 52}
